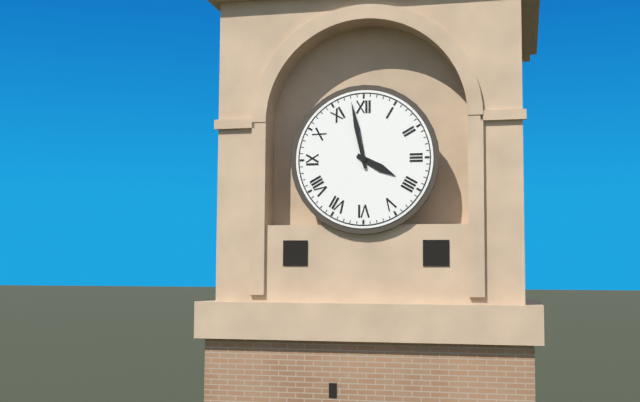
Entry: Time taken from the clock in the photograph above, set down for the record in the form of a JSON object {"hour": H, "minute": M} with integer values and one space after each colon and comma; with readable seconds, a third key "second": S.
{"hour": 3, "minute": 58}
